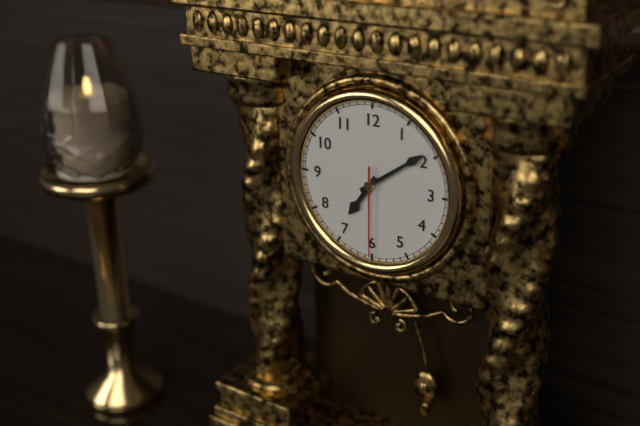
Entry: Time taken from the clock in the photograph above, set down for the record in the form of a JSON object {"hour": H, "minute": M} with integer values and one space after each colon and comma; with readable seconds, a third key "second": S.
{"hour": 7, "minute": 9, "second": 30}
